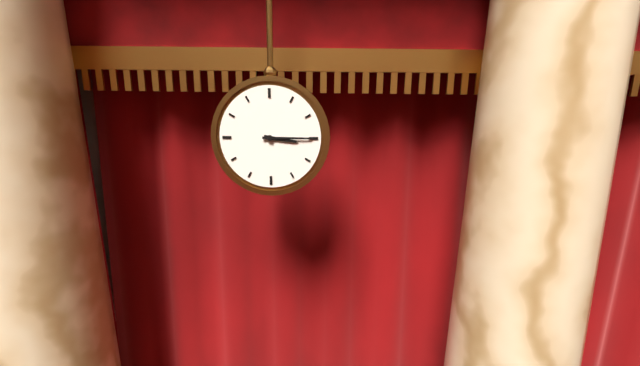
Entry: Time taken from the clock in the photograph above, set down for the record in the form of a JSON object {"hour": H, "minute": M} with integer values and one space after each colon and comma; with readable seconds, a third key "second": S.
{"hour": 3, "minute": 15}
